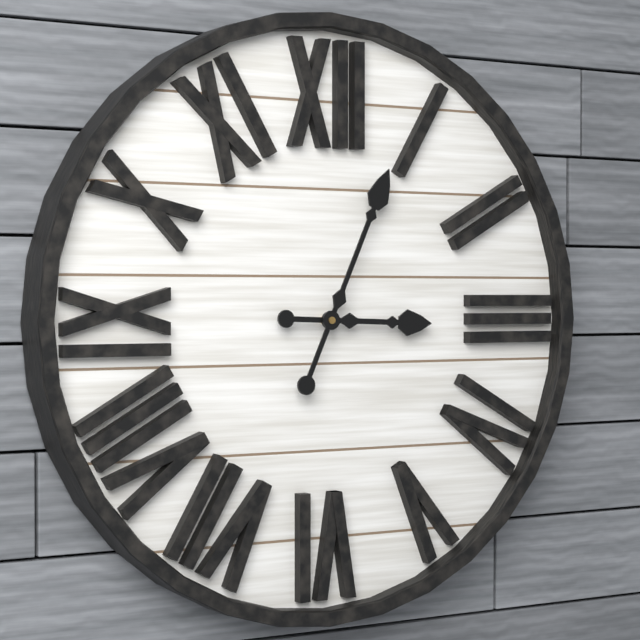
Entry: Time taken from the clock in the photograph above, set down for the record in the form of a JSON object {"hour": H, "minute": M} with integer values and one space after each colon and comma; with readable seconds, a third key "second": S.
{"hour": 3, "minute": 4}
